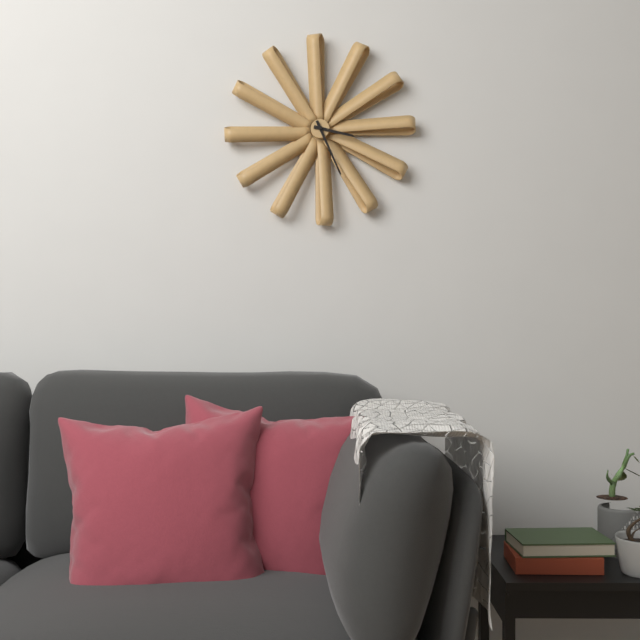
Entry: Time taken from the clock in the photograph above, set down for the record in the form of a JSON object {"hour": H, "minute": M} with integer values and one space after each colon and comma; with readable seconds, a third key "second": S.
{"hour": 3, "minute": 26}
